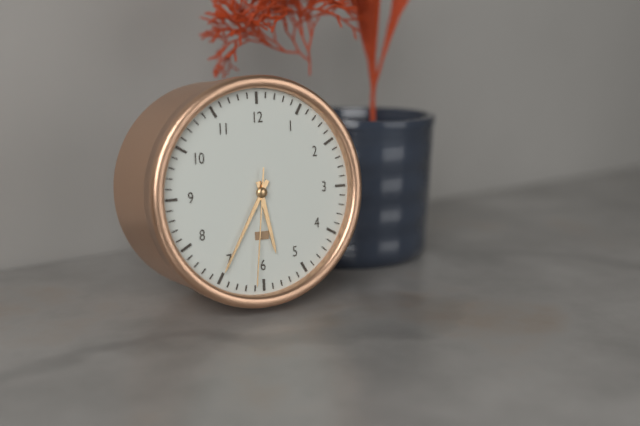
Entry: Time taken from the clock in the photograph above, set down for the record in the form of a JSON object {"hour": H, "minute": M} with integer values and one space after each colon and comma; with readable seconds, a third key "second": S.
{"hour": 5, "minute": 35, "second": 31}
